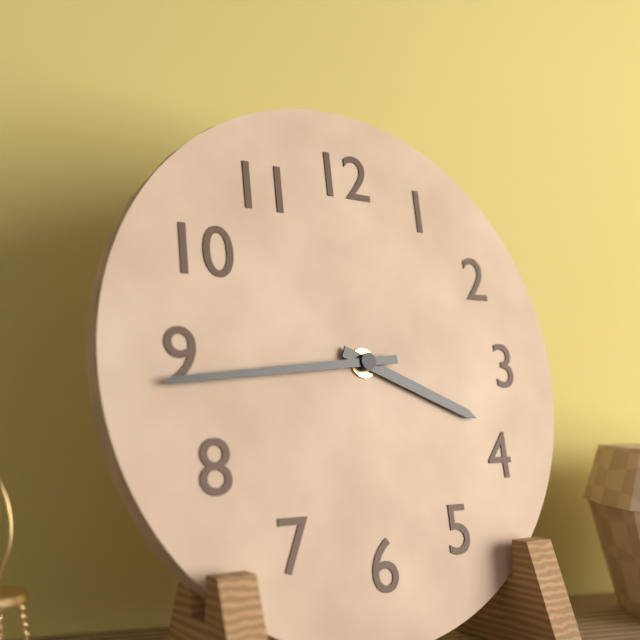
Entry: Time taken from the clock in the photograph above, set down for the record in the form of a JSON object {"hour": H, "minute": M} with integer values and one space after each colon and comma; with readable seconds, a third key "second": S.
{"hour": 3, "minute": 44}
